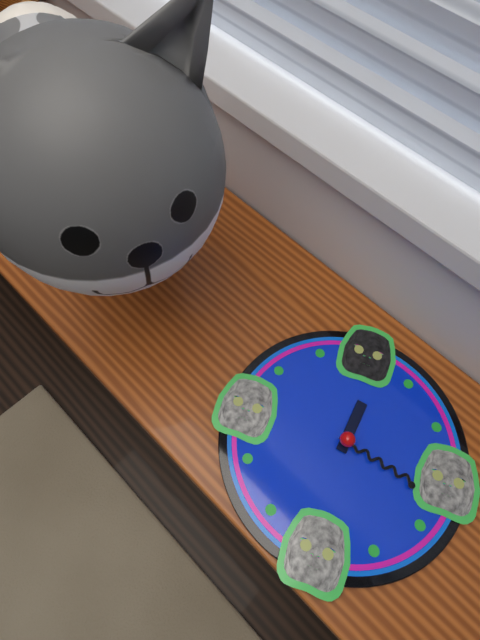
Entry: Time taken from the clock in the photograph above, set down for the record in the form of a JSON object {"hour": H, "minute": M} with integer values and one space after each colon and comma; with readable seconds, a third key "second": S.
{"hour": 12, "minute": 17}
